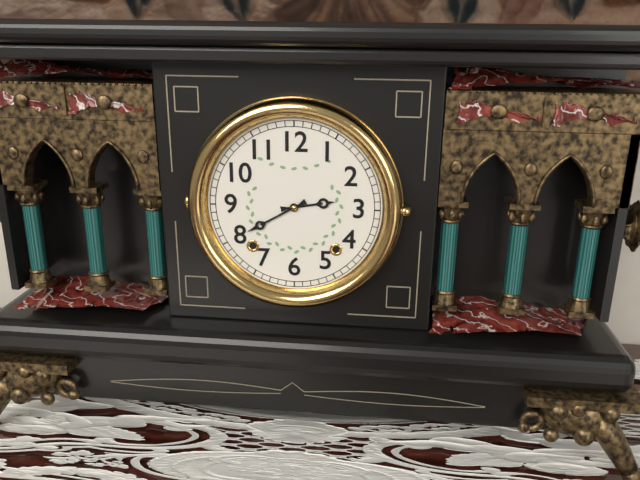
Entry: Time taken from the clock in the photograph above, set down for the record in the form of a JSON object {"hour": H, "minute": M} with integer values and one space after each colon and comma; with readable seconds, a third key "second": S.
{"hour": 2, "minute": 40}
